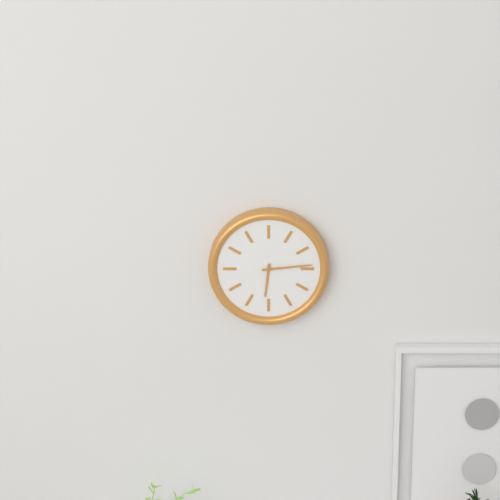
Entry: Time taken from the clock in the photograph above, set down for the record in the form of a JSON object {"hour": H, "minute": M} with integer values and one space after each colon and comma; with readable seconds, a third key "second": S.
{"hour": 6, "minute": 14}
